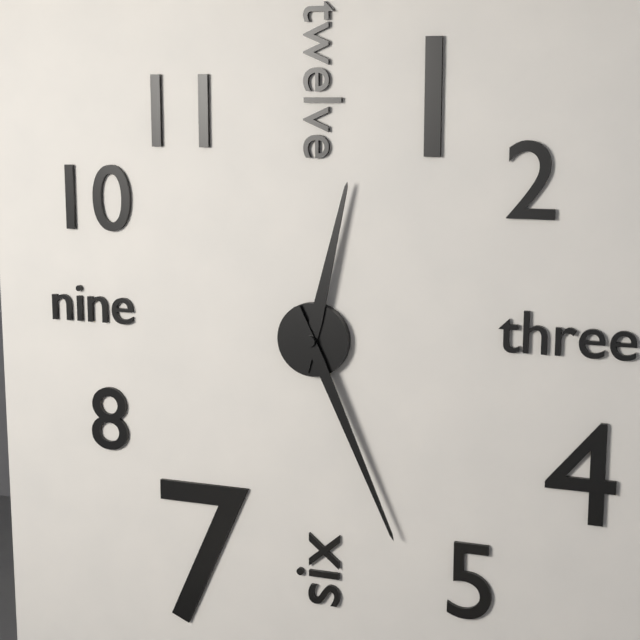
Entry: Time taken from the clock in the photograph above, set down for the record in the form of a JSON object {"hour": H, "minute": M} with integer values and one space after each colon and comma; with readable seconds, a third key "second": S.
{"hour": 12, "minute": 26}
